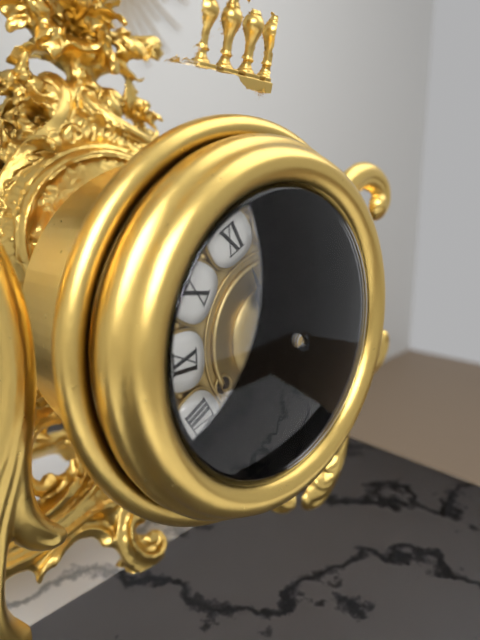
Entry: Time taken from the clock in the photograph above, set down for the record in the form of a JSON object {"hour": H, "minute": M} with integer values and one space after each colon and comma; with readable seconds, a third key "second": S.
{"hour": 11, "minute": 9}
